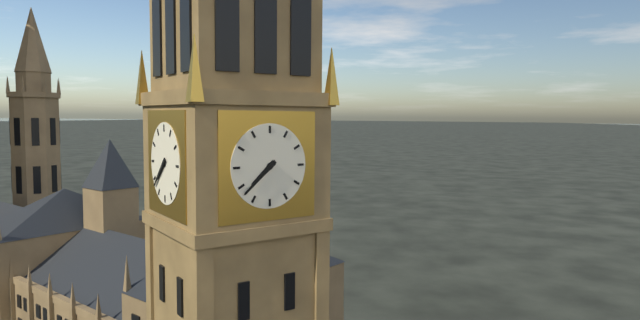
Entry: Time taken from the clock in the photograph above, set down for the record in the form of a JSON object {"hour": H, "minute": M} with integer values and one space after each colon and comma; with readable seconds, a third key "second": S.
{"hour": 7, "minute": 38}
